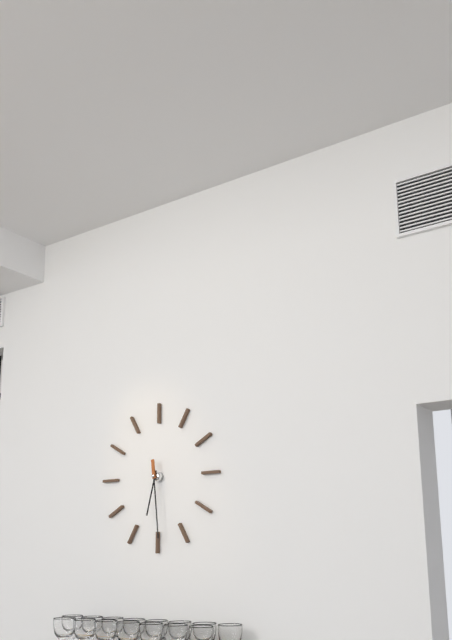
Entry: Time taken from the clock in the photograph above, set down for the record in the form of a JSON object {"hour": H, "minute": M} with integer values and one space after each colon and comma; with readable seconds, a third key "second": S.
{"hour": 6, "minute": 29}
